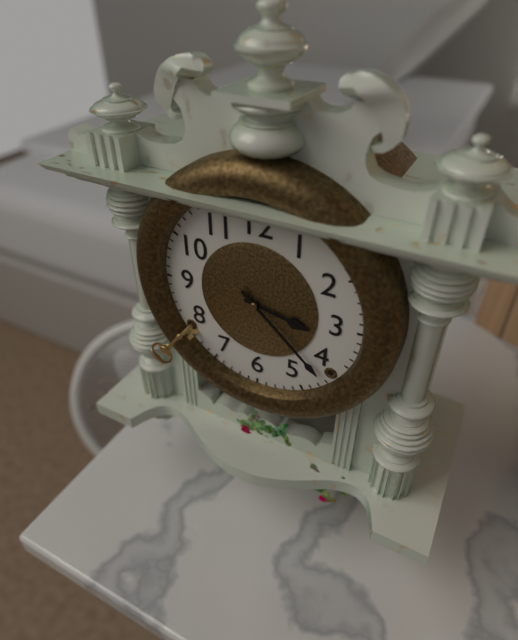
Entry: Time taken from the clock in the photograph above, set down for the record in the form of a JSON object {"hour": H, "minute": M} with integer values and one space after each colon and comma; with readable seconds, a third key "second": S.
{"hour": 3, "minute": 22}
